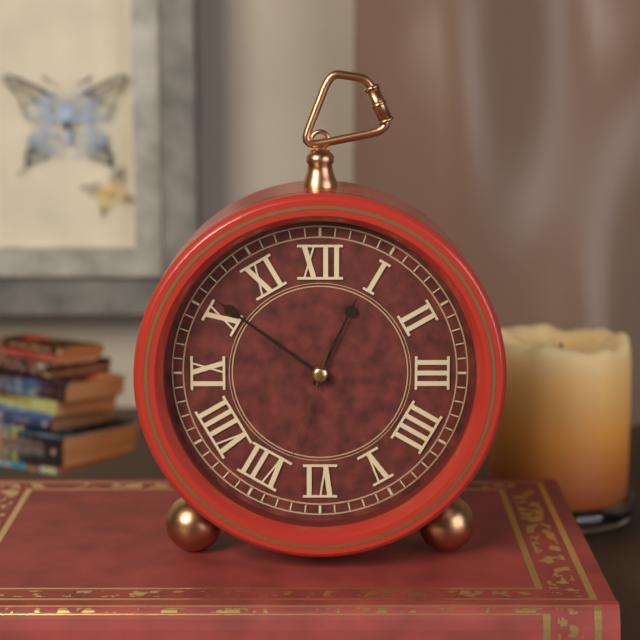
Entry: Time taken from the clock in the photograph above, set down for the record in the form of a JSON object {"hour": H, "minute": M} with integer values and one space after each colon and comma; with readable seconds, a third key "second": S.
{"hour": 12, "minute": 51, "second": 33}
